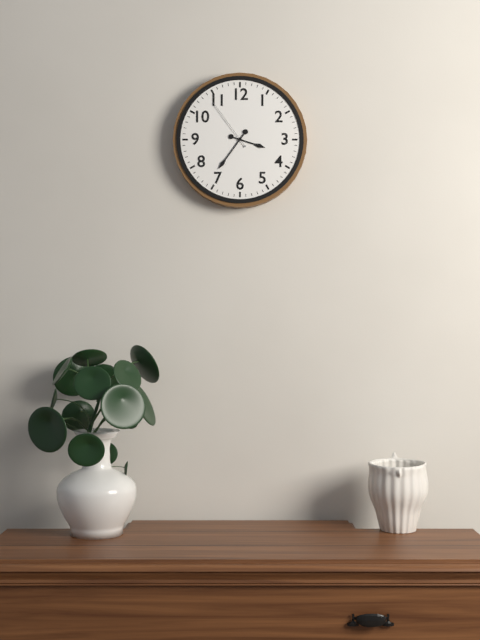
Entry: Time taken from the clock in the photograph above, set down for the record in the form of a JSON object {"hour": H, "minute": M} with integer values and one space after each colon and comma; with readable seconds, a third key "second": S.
{"hour": 3, "minute": 36, "second": 54}
